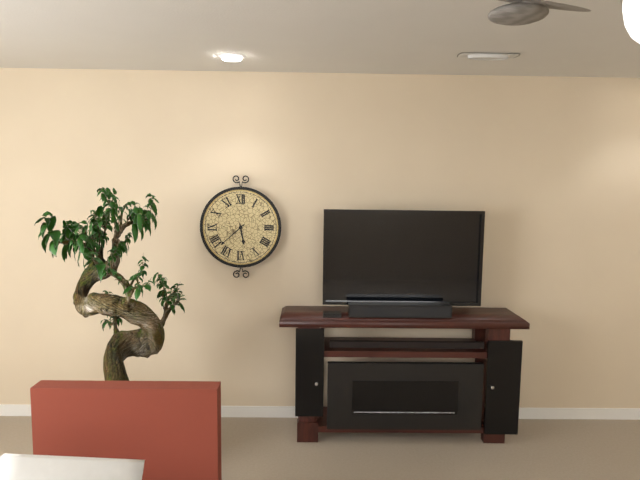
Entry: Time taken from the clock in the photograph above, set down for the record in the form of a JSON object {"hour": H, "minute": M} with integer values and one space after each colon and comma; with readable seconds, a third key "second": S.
{"hour": 5, "minute": 38}
